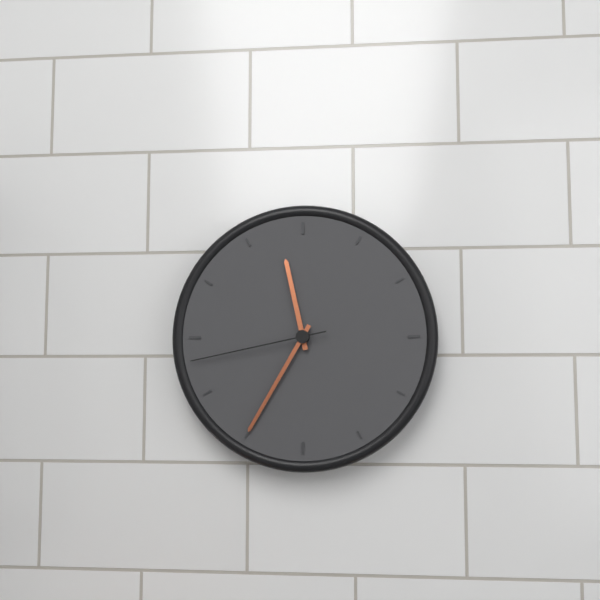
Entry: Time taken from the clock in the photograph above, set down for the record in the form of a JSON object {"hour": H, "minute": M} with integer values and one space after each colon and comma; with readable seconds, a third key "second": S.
{"hour": 11, "minute": 35, "second": 43}
